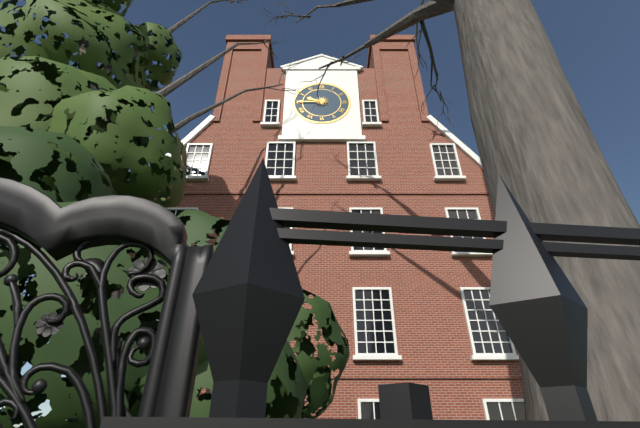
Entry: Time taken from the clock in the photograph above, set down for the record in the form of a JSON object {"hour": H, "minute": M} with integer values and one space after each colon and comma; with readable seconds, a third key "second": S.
{"hour": 9, "minute": 45}
